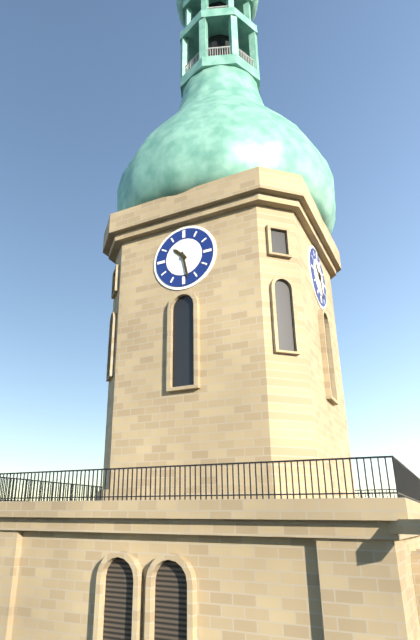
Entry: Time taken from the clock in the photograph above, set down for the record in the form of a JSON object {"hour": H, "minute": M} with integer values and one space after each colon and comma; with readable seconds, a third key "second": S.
{"hour": 10, "minute": 28}
